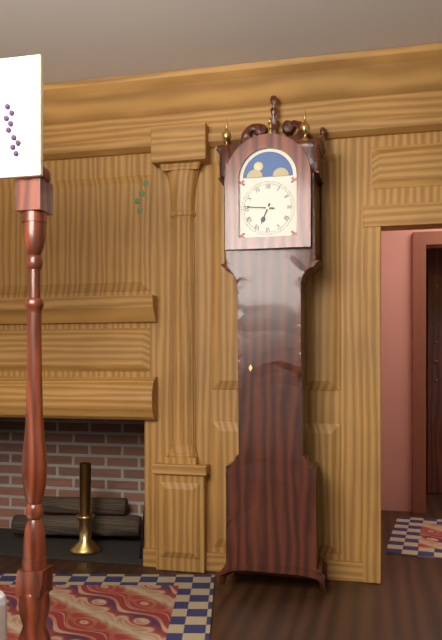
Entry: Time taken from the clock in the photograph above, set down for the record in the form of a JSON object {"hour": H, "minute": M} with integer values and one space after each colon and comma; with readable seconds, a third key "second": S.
{"hour": 6, "minute": 46}
